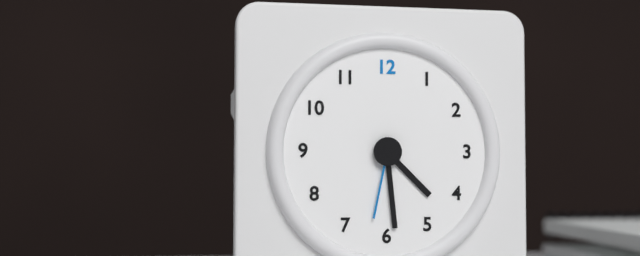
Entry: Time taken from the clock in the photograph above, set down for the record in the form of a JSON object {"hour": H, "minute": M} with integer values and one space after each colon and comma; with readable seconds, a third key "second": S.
{"hour": 4, "minute": 29, "second": 32}
